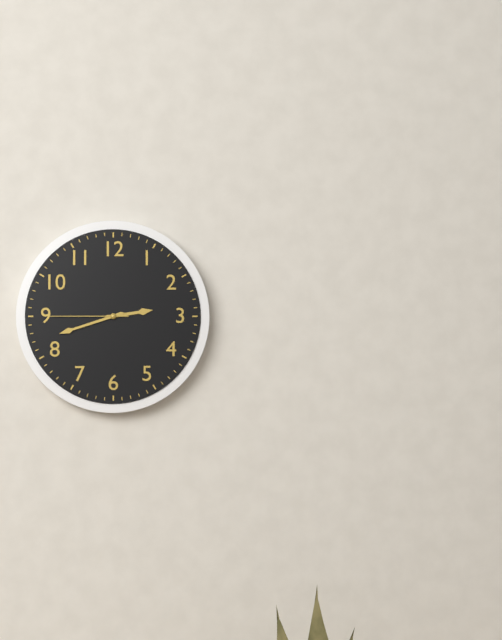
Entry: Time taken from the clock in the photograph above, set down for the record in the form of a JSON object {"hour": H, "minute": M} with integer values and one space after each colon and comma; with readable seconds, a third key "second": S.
{"hour": 2, "minute": 42, "second": 45}
